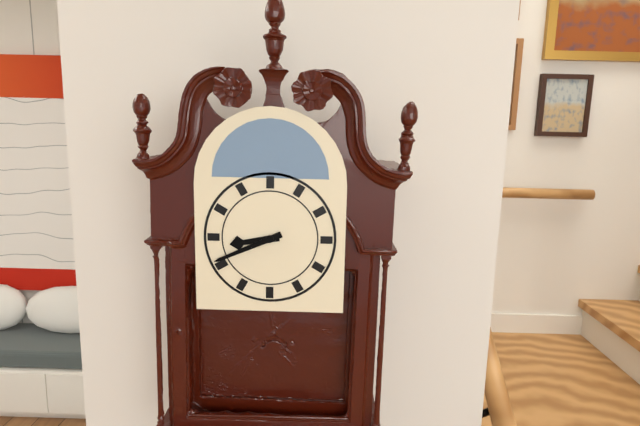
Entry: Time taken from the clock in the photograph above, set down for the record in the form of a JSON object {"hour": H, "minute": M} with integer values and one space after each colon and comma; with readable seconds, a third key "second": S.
{"hour": 8, "minute": 41}
